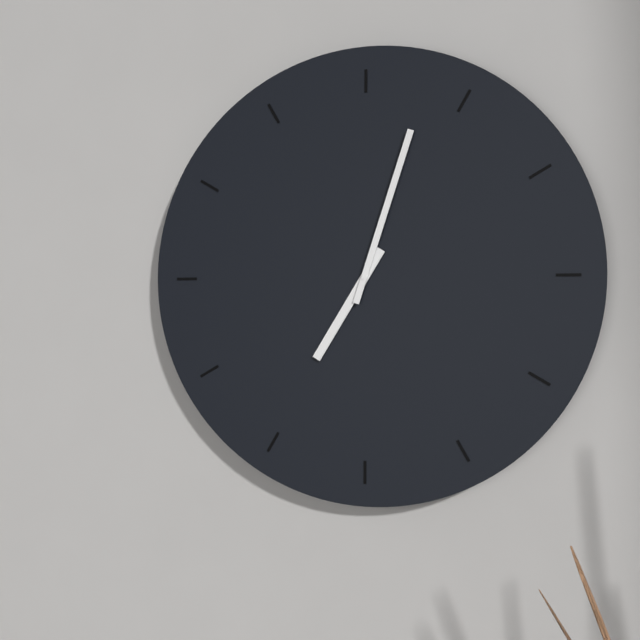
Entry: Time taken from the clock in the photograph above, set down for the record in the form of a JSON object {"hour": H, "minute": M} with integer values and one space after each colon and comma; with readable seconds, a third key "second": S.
{"hour": 7, "minute": 3}
